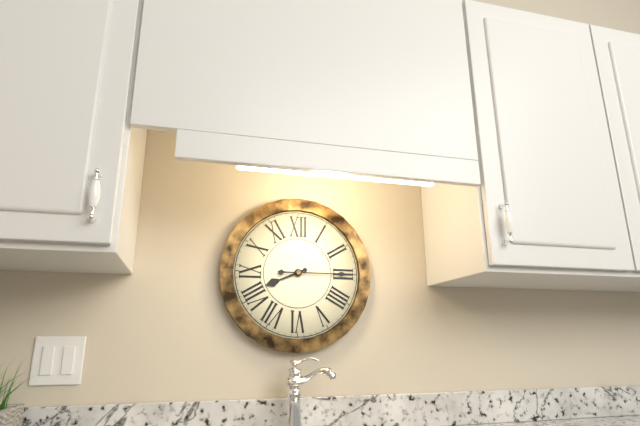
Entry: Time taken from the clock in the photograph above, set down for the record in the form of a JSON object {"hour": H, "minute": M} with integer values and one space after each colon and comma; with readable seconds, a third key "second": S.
{"hour": 8, "minute": 15}
